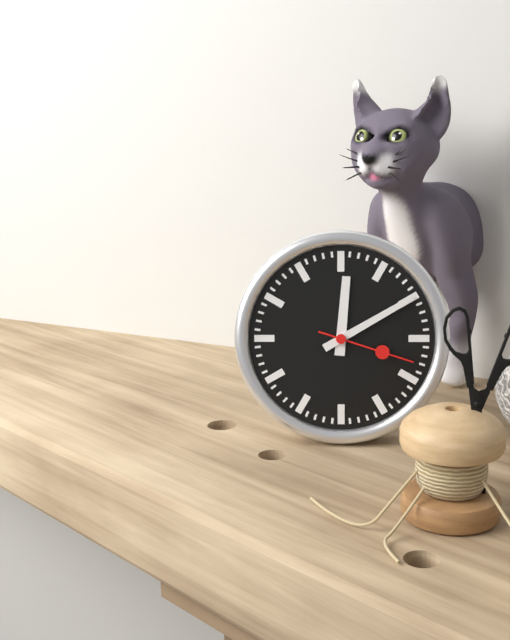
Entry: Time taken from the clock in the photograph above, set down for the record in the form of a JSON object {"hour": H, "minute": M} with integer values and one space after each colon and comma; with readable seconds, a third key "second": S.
{"hour": 12, "minute": 10, "second": 18}
